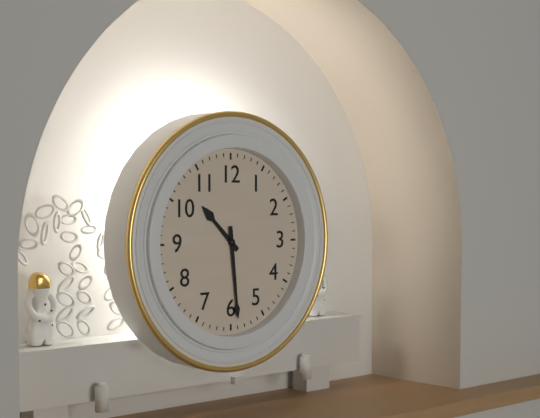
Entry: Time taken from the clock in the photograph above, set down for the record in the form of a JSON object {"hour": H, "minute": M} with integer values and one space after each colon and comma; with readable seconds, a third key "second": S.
{"hour": 10, "minute": 29}
